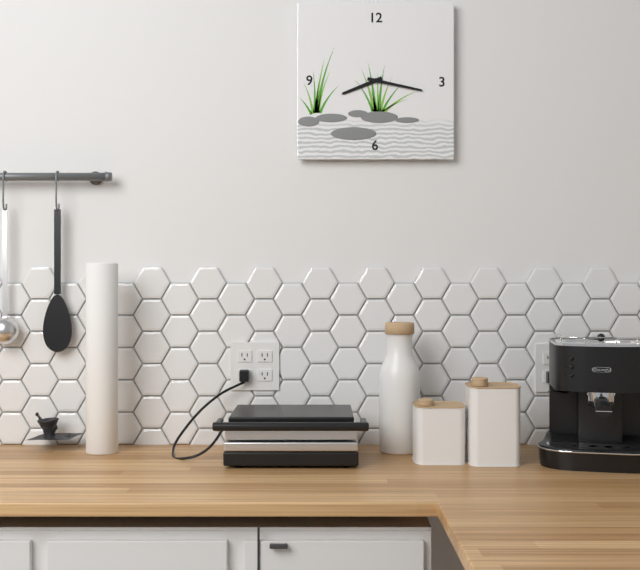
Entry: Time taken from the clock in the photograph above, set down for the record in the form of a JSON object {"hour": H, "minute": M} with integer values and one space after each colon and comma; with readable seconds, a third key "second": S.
{"hour": 8, "minute": 17}
